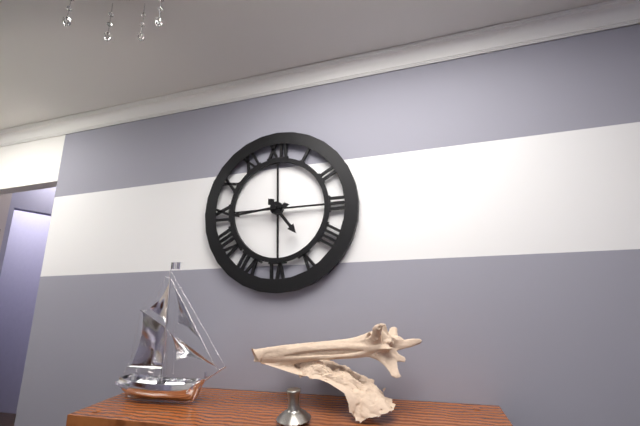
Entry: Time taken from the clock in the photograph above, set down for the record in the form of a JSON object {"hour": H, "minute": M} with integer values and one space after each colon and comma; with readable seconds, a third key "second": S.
{"hour": 4, "minute": 44}
